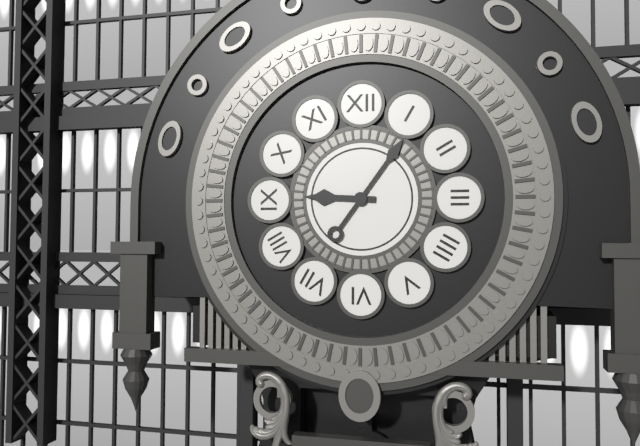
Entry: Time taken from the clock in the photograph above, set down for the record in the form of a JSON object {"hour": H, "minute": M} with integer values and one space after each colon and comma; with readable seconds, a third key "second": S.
{"hour": 9, "minute": 6}
